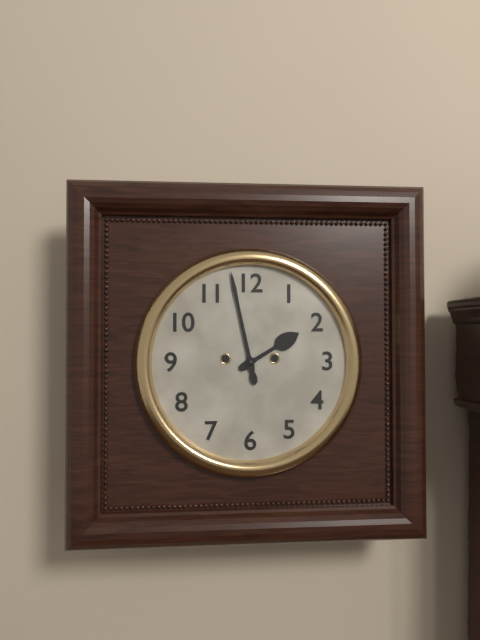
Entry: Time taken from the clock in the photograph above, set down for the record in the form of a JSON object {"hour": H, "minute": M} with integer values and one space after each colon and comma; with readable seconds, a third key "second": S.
{"hour": 1, "minute": 58}
